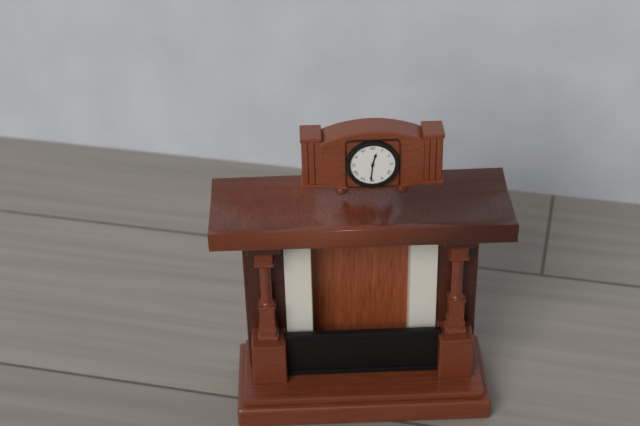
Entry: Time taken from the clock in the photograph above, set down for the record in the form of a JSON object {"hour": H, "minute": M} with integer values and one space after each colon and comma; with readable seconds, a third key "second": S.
{"hour": 12, "minute": 31}
